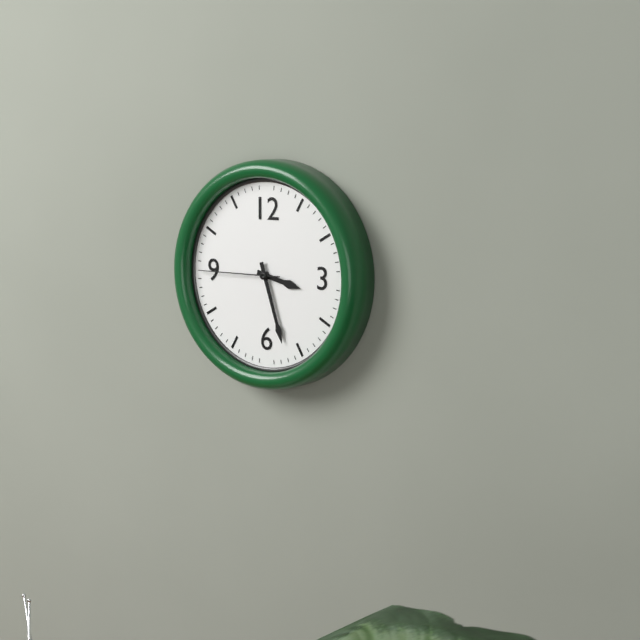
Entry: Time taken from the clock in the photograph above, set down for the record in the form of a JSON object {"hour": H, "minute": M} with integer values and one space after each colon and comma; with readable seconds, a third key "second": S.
{"hour": 3, "minute": 27, "second": 45}
